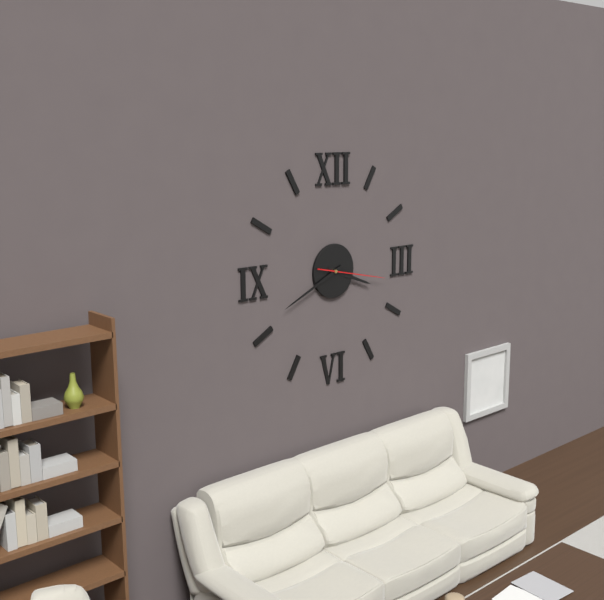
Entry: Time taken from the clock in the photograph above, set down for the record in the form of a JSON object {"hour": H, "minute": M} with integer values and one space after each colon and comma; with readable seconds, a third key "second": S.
{"hour": 3, "minute": 41, "second": 17}
